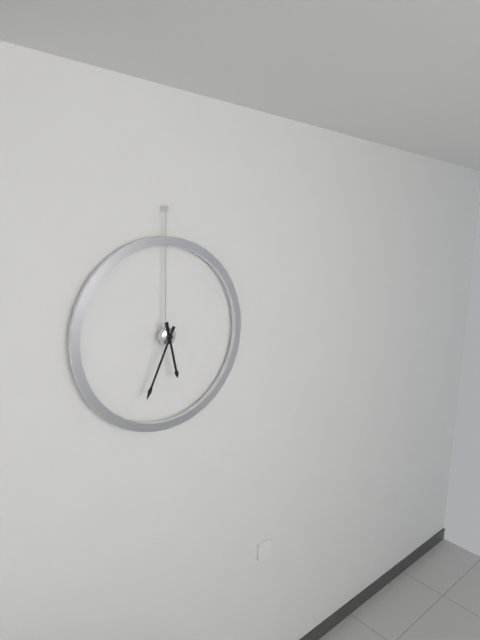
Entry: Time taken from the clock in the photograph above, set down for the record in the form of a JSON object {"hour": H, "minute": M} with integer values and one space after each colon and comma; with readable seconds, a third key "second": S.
{"hour": 5, "minute": 34}
